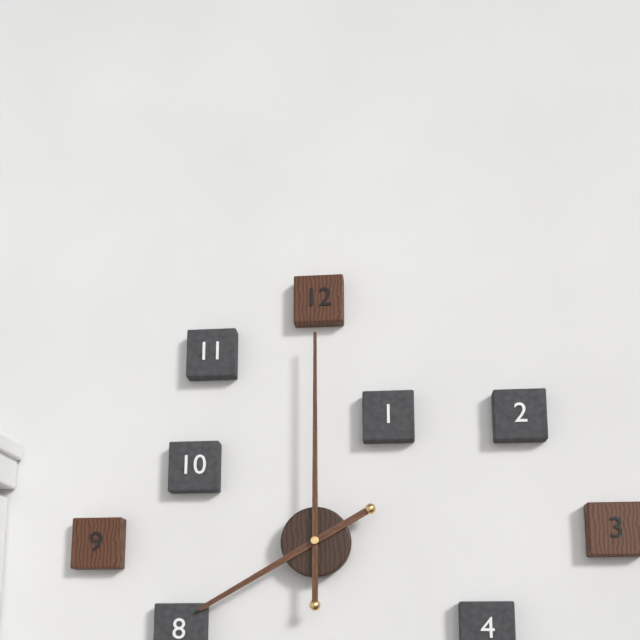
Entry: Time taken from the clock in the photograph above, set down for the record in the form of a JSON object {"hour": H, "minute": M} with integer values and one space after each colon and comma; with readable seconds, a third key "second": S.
{"hour": 8, "minute": 0}
